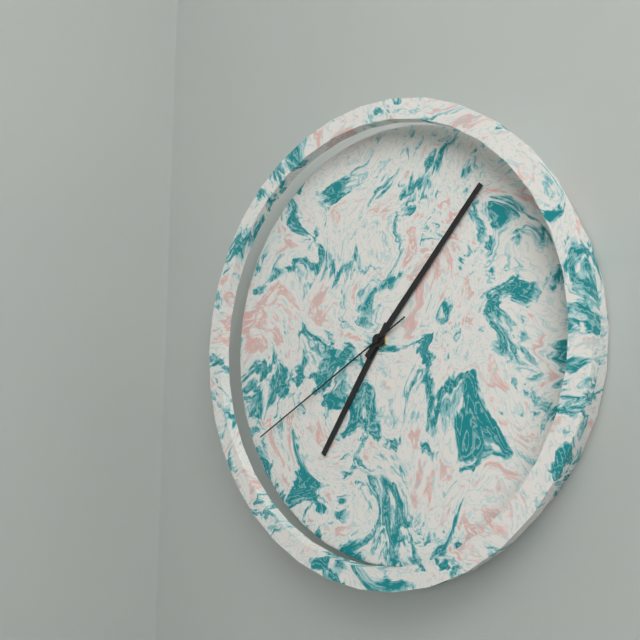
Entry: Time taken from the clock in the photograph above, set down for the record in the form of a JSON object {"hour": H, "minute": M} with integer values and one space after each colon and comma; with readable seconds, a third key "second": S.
{"hour": 7, "minute": 7, "second": 40}
